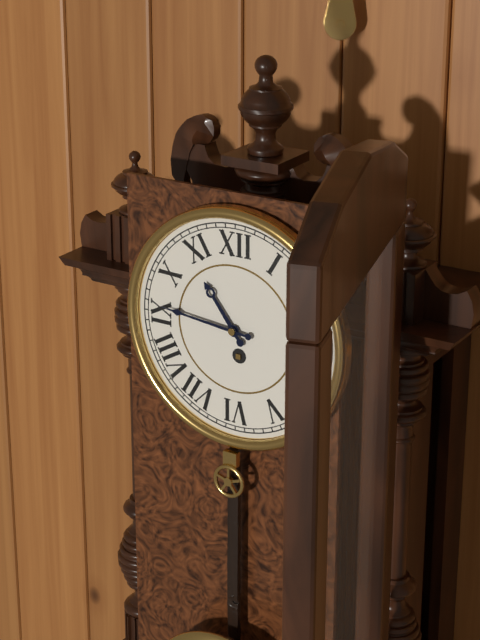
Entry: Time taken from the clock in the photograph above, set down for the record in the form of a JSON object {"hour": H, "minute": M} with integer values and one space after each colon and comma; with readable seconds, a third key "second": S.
{"hour": 10, "minute": 46}
